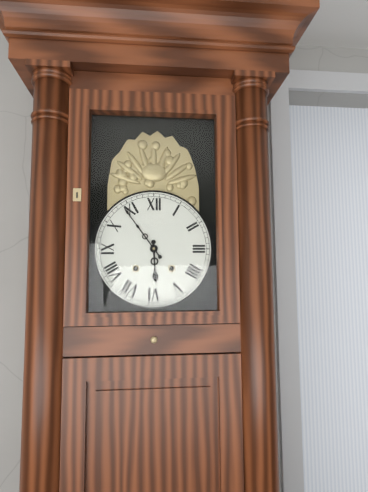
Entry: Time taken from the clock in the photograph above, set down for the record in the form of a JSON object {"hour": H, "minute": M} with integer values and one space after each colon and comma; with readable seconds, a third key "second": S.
{"hour": 5, "minute": 54}
